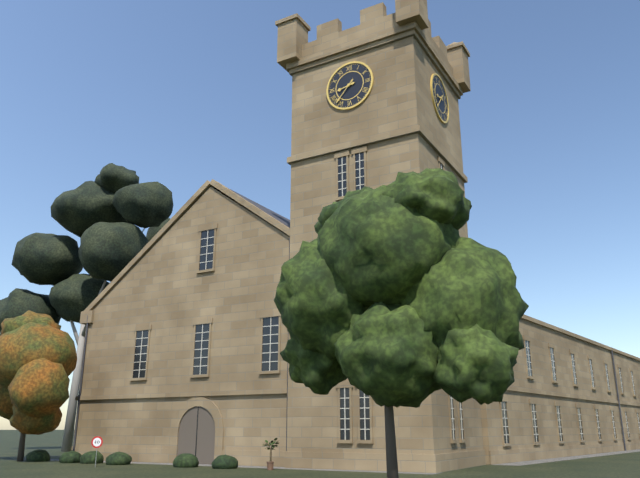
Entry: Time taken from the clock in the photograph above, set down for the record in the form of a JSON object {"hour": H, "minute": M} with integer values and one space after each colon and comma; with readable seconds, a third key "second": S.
{"hour": 8, "minute": 37}
